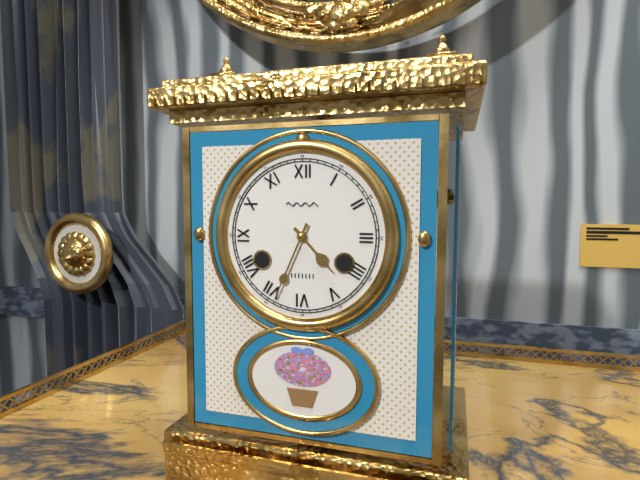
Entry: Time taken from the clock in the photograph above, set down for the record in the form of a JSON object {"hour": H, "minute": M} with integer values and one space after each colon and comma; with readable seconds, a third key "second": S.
{"hour": 4, "minute": 34}
